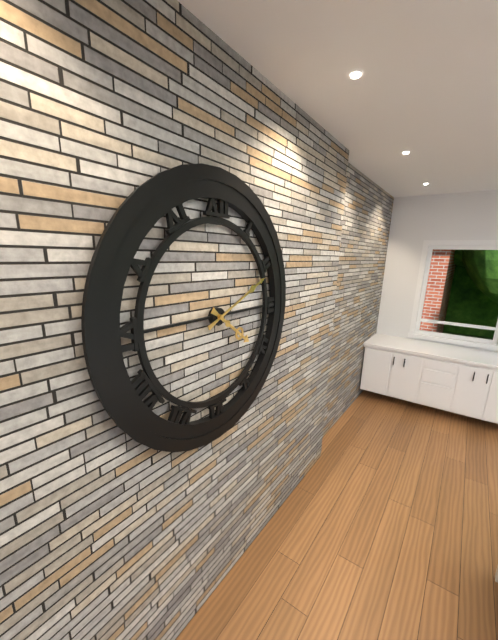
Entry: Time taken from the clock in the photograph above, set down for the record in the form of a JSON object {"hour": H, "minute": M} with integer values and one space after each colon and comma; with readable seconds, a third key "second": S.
{"hour": 4, "minute": 11}
